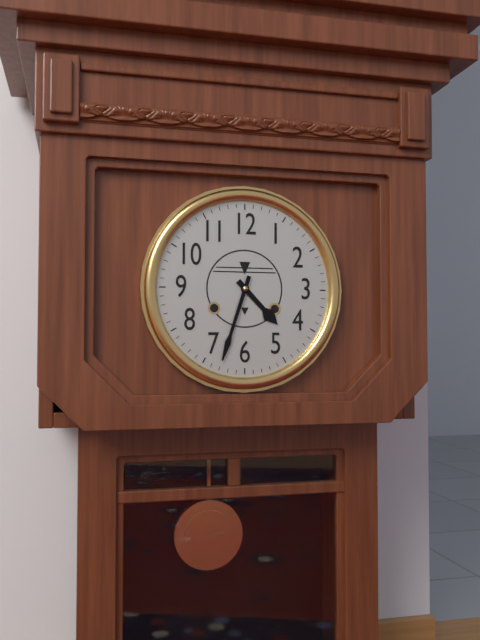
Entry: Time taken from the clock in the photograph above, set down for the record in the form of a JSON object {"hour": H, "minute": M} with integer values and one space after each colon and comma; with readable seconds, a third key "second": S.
{"hour": 4, "minute": 33}
